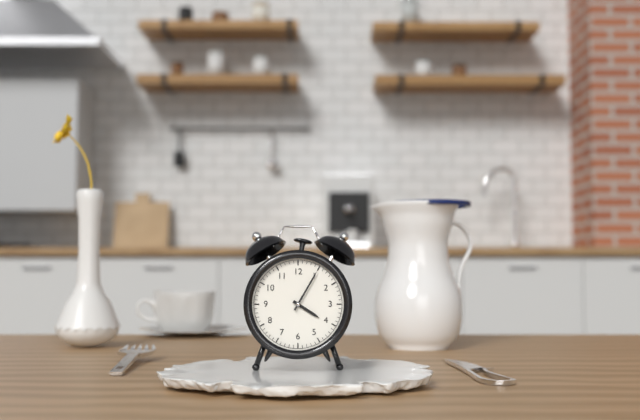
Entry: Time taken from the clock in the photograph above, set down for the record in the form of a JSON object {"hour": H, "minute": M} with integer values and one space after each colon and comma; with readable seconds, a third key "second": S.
{"hour": 4, "minute": 5}
